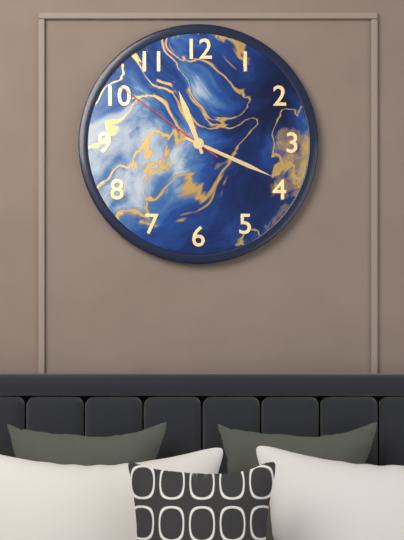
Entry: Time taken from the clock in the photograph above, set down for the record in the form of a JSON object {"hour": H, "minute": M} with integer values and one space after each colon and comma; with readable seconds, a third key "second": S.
{"hour": 11, "minute": 19, "second": 51}
